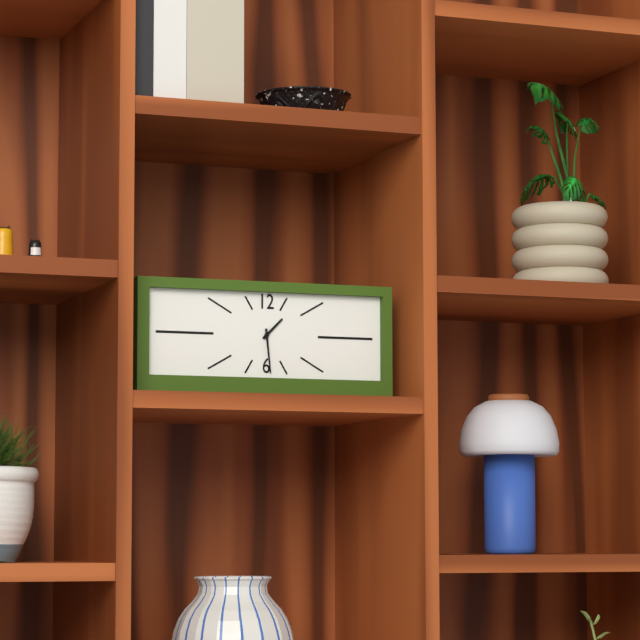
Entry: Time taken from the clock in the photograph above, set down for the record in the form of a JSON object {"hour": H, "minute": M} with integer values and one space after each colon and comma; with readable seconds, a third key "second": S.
{"hour": 1, "minute": 29}
